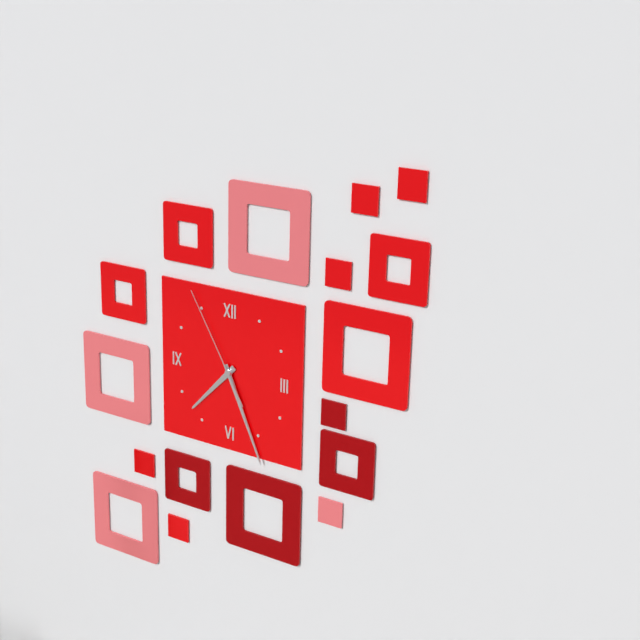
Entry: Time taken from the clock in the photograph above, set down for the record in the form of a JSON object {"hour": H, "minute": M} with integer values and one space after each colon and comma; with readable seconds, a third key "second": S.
{"hour": 7, "minute": 26, "second": 55}
